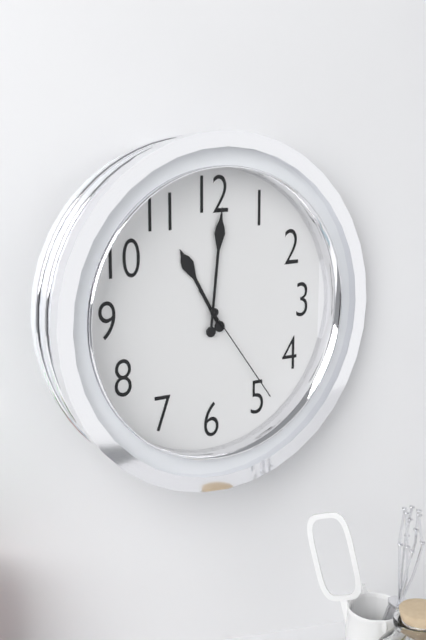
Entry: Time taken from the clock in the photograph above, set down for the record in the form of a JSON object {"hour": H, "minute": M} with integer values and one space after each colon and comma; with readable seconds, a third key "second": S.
{"hour": 11, "minute": 1, "second": 24}
